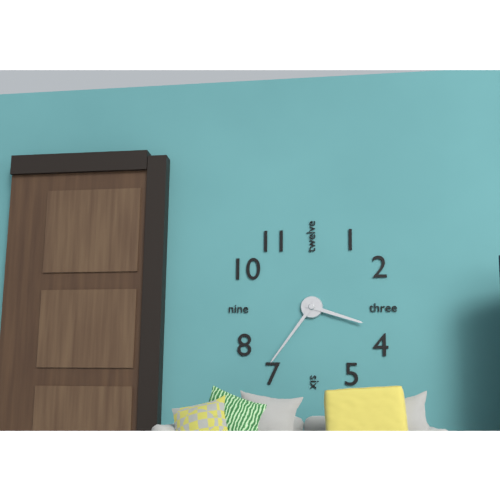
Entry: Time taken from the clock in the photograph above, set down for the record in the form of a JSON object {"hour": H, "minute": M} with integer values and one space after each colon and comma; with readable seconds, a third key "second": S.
{"hour": 3, "minute": 36}
